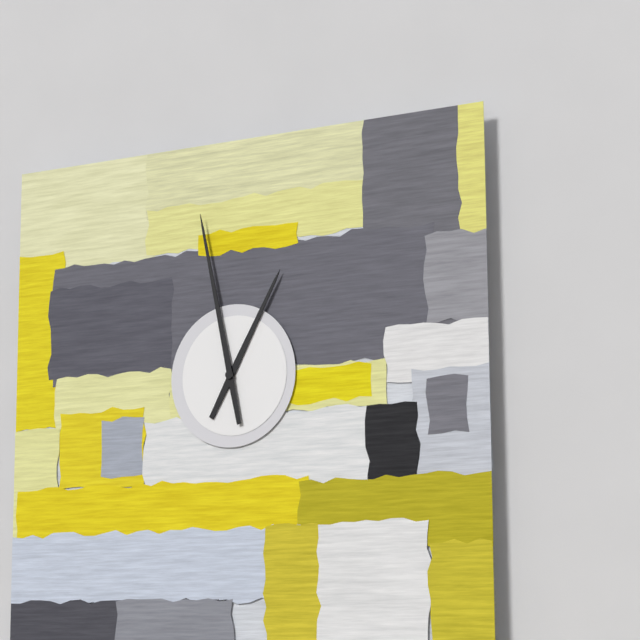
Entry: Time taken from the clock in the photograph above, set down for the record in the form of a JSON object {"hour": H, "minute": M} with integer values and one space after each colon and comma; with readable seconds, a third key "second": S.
{"hour": 12, "minute": 58}
